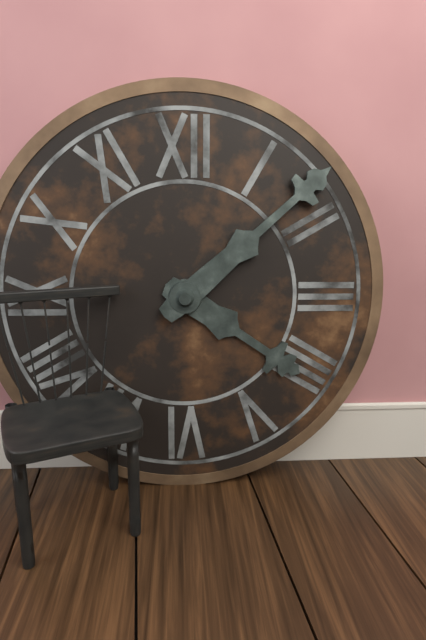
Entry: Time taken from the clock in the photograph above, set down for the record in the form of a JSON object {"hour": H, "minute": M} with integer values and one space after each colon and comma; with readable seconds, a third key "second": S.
{"hour": 4, "minute": 8}
